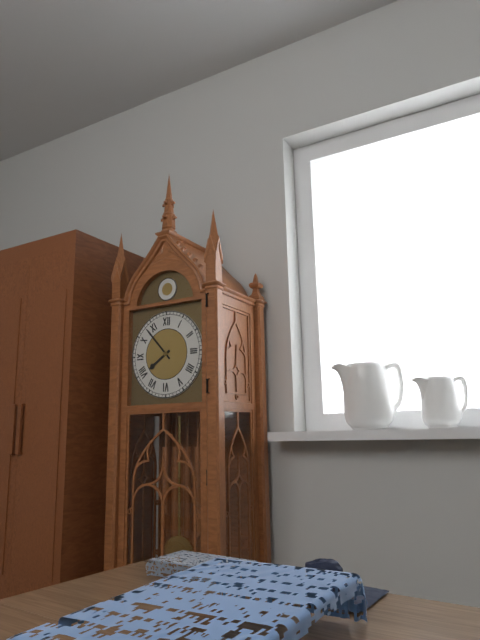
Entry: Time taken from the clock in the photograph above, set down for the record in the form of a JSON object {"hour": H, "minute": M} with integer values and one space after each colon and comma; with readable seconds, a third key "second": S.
{"hour": 7, "minute": 53}
